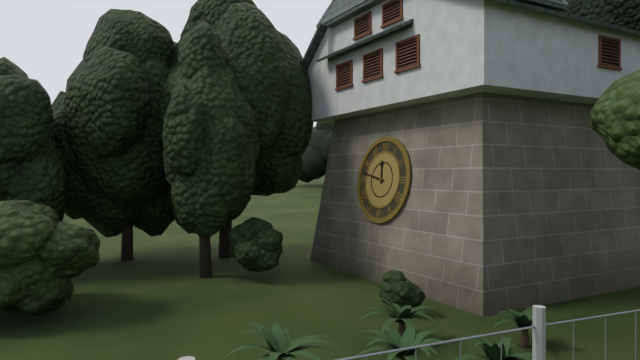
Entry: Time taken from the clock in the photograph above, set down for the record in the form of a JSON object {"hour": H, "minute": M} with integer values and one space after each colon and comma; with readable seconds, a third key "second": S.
{"hour": 11, "minute": 47}
